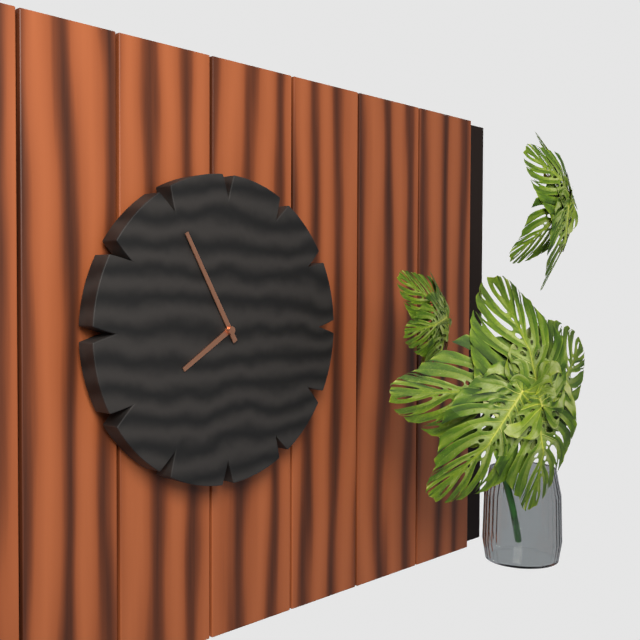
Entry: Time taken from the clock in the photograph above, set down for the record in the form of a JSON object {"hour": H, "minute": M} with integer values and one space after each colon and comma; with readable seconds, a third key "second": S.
{"hour": 7, "minute": 55}
